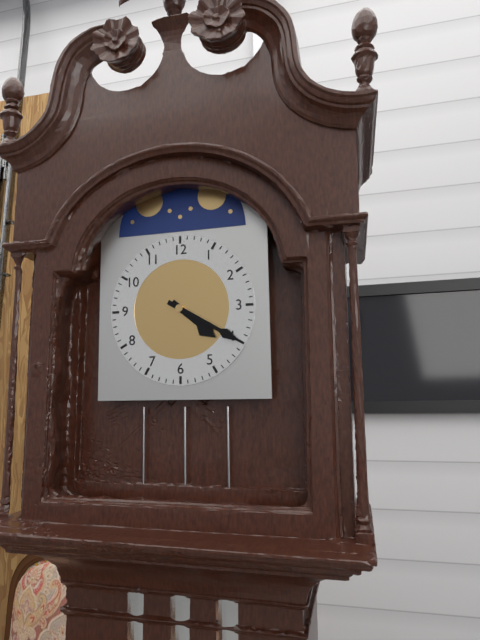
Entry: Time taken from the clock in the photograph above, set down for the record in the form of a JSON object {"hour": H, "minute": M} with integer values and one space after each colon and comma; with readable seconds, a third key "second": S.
{"hour": 4, "minute": 20}
